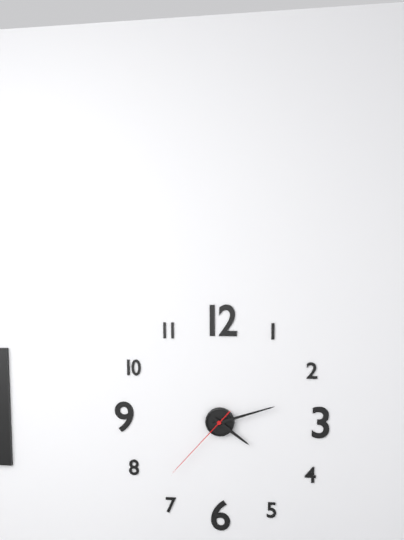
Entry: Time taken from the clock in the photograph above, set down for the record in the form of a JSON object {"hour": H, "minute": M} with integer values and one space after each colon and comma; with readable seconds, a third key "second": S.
{"hour": 4, "minute": 12, "second": 37}
